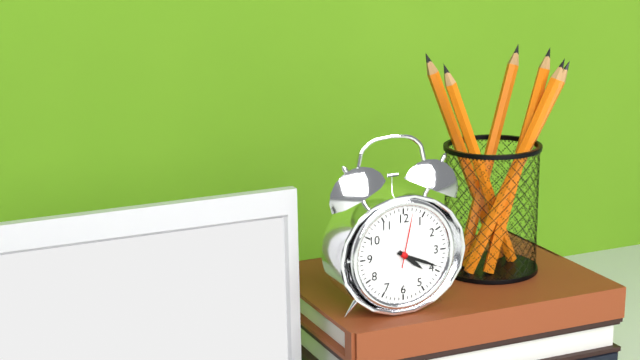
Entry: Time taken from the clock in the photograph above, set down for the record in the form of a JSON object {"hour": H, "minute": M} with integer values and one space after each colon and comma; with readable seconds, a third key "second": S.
{"hour": 4, "minute": 19, "second": 2}
